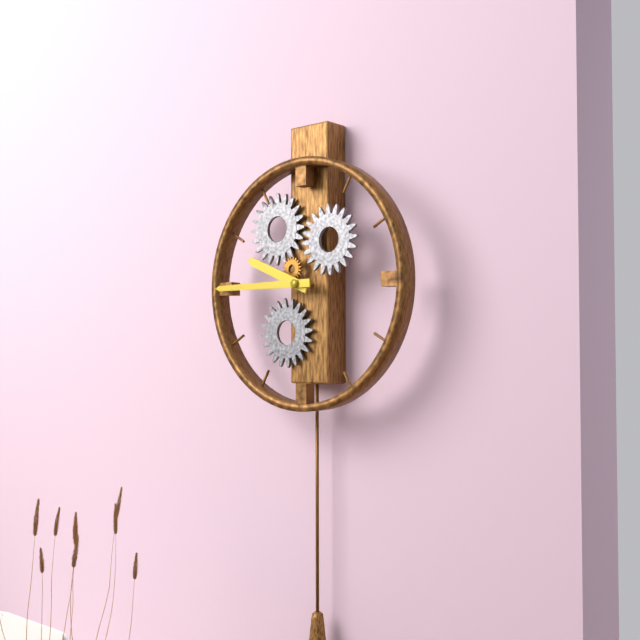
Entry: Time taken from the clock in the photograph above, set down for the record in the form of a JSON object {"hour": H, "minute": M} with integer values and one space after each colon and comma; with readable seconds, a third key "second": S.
{"hour": 9, "minute": 45}
